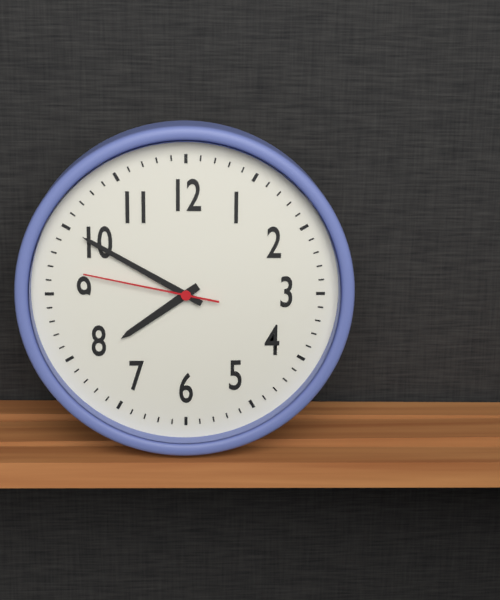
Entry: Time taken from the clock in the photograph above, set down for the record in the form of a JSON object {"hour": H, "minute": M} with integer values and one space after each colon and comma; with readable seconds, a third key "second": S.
{"hour": 7, "minute": 50, "second": 47}
